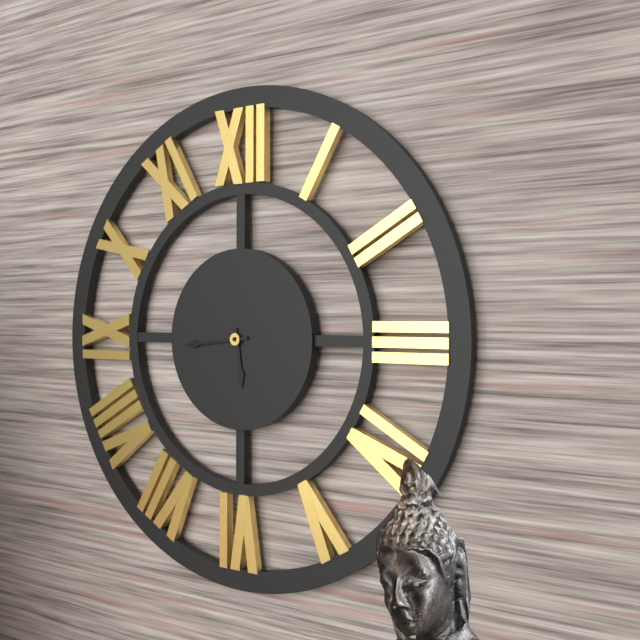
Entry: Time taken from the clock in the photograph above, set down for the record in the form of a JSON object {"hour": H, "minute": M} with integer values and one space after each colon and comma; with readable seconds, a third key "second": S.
{"hour": 5, "minute": 44}
